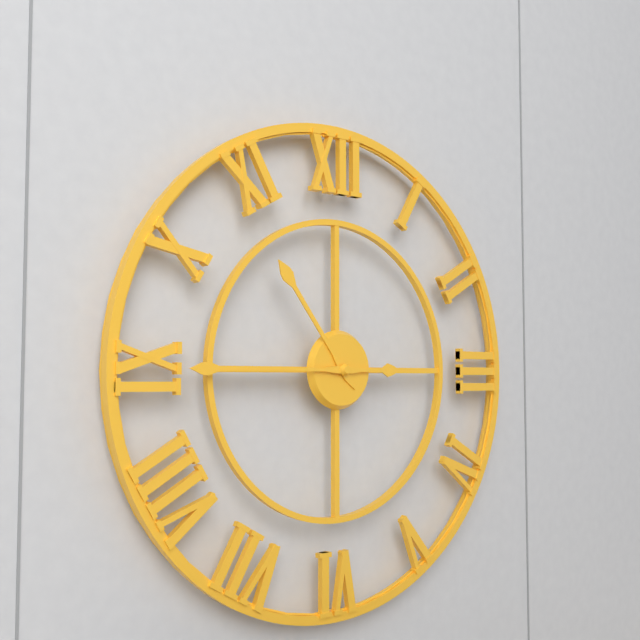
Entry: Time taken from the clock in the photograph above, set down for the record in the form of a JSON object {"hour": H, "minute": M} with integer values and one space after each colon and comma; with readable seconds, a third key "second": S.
{"hour": 10, "minute": 45}
